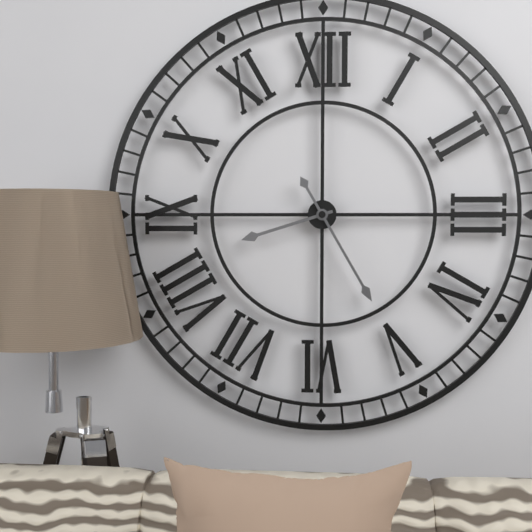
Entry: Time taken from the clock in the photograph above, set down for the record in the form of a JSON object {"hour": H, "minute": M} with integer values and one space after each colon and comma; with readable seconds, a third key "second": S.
{"hour": 8, "minute": 25}
